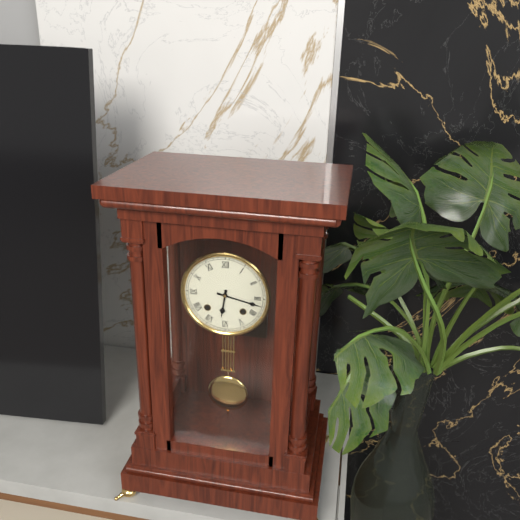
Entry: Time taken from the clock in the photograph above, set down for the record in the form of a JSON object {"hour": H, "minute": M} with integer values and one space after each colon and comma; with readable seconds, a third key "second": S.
{"hour": 6, "minute": 17}
